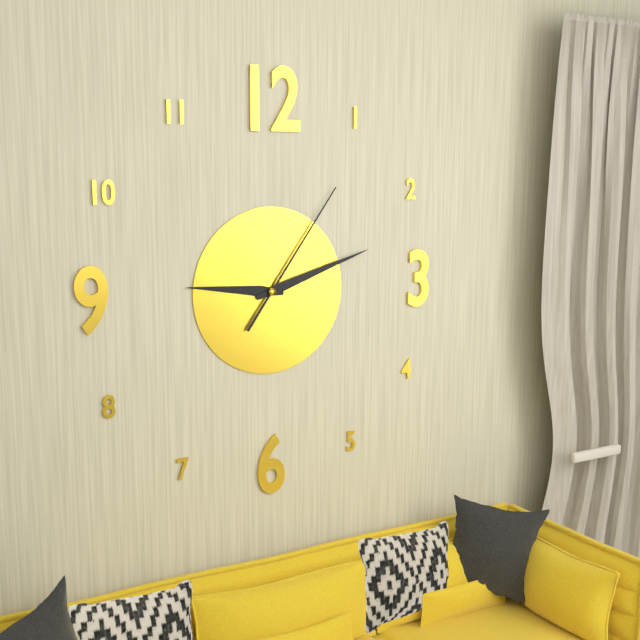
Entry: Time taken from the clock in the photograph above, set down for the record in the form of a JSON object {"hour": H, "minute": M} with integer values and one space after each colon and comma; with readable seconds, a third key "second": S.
{"hour": 9, "minute": 12, "second": 6}
